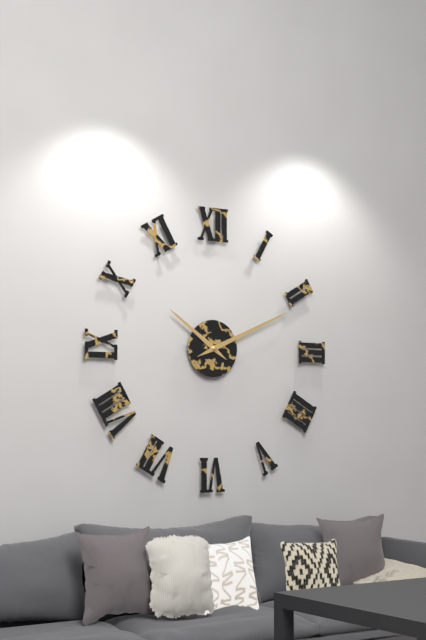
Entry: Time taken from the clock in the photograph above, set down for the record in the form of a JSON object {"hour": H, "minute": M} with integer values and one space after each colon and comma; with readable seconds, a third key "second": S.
{"hour": 10, "minute": 11}
